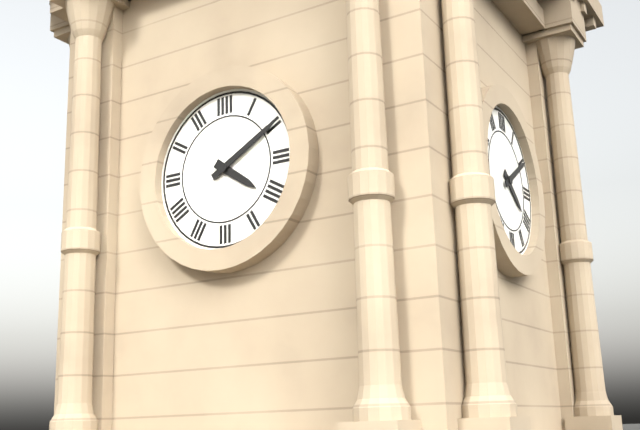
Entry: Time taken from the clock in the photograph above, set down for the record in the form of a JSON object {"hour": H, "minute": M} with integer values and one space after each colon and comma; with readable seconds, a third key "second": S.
{"hour": 4, "minute": 10}
